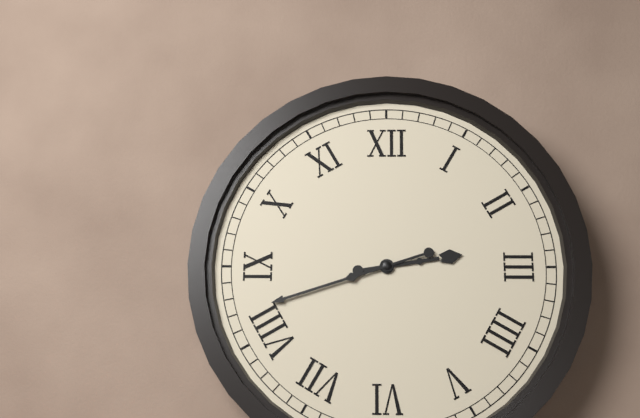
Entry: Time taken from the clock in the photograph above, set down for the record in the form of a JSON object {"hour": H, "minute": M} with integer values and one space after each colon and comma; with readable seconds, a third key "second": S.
{"hour": 2, "minute": 42}
